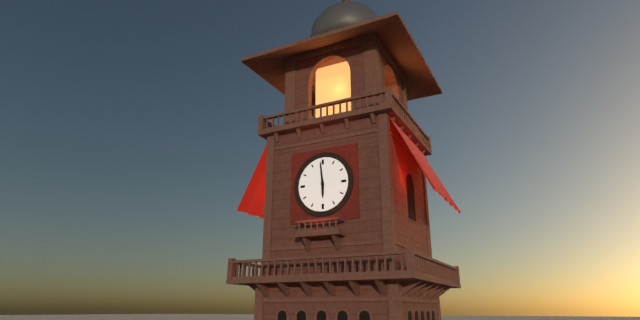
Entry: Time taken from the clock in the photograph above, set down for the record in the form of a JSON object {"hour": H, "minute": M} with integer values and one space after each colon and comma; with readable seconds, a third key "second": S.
{"hour": 5, "minute": 59}
